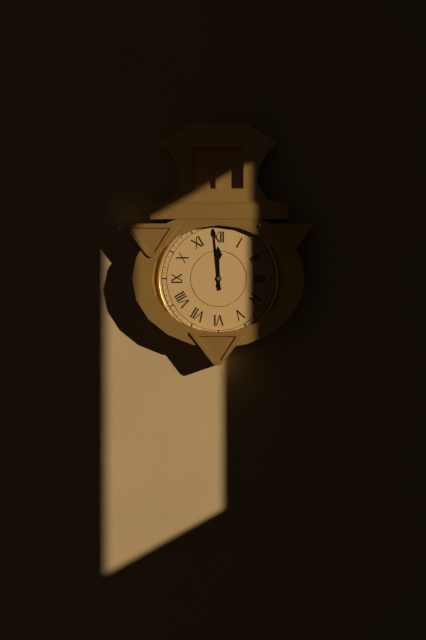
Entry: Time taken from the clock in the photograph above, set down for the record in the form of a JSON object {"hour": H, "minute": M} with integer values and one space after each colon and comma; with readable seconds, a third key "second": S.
{"hour": 11, "minute": 59}
